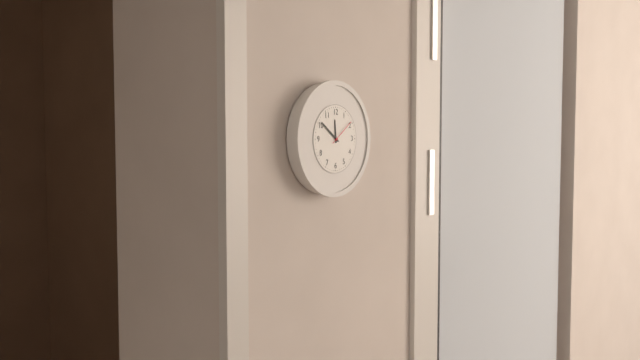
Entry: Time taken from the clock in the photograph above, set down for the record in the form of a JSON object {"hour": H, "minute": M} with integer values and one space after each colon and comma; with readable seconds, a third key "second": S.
{"hour": 11, "minute": 51}
